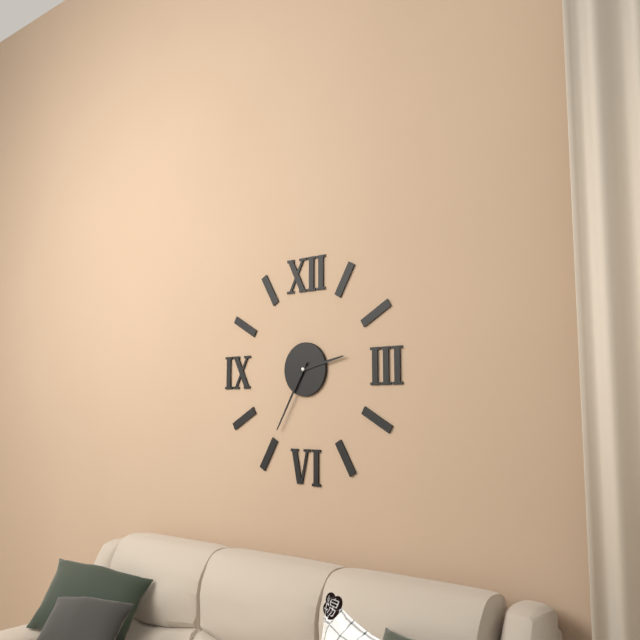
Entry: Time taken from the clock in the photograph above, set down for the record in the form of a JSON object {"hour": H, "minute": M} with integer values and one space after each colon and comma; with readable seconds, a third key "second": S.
{"hour": 2, "minute": 35}
